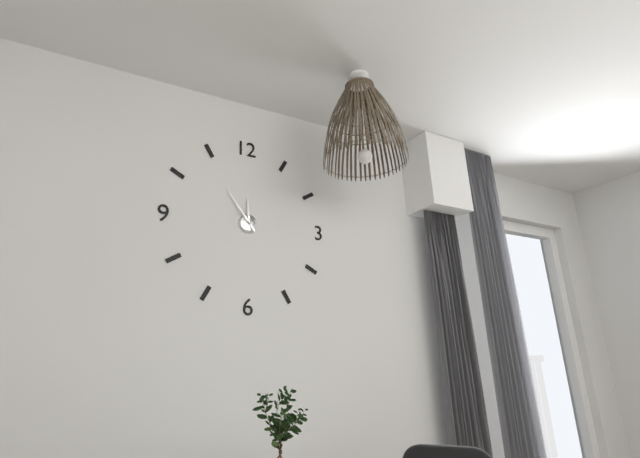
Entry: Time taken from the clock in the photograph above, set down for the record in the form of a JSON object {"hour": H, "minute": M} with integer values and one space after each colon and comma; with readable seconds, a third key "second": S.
{"hour": 11, "minute": 54}
